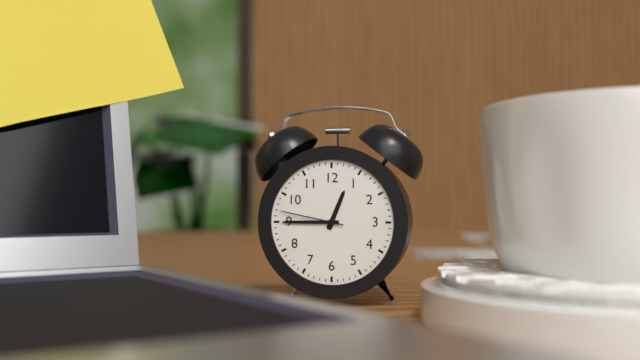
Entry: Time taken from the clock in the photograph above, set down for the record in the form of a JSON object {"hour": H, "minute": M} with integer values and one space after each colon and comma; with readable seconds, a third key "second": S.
{"hour": 12, "minute": 45, "second": 47}
